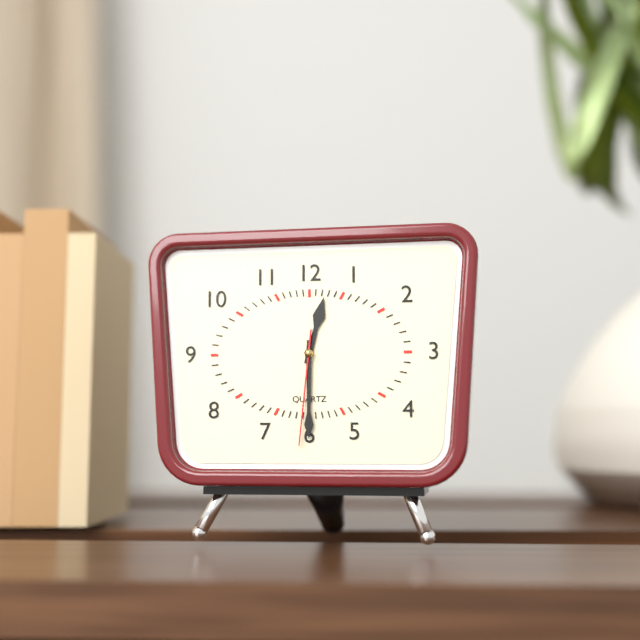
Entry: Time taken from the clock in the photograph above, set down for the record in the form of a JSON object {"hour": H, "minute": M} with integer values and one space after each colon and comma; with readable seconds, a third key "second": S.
{"hour": 12, "minute": 30, "second": 31}
